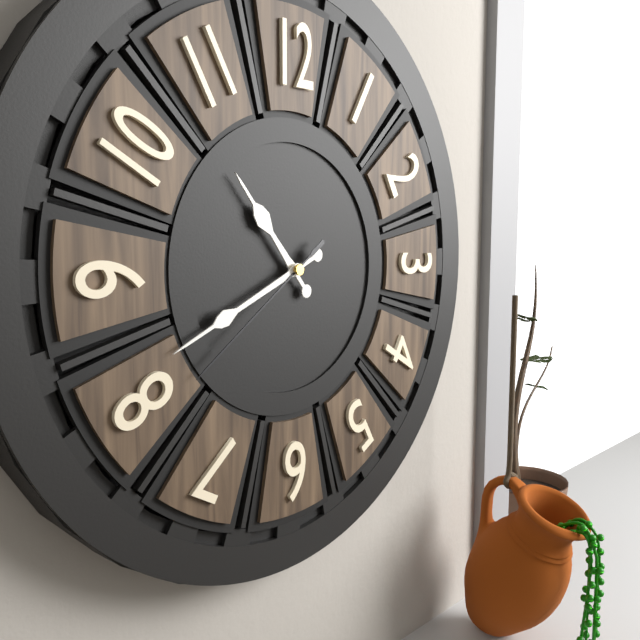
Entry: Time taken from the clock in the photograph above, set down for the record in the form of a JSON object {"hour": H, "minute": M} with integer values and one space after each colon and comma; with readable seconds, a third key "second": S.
{"hour": 10, "minute": 41, "second": 39}
